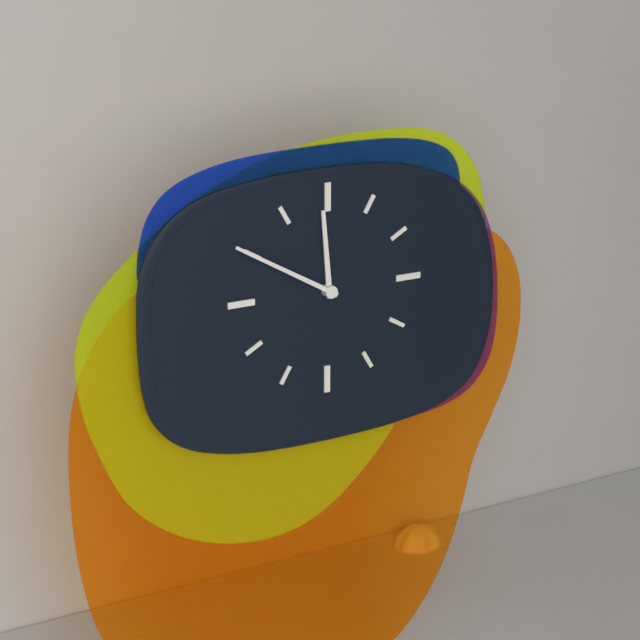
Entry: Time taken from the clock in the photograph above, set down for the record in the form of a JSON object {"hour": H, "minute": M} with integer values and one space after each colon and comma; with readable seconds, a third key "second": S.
{"hour": 11, "minute": 50}
